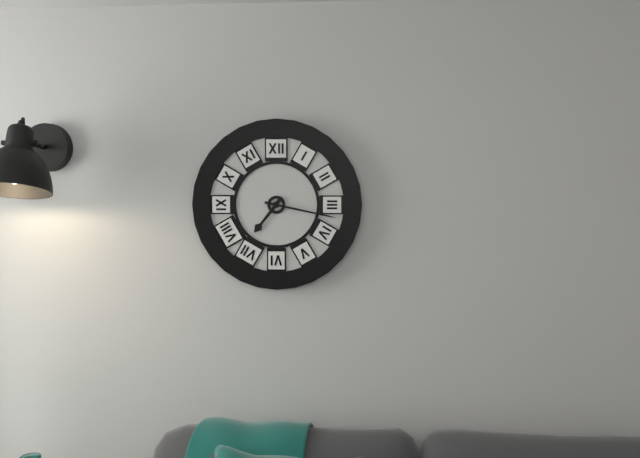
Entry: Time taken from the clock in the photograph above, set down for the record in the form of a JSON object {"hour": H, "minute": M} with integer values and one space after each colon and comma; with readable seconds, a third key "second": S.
{"hour": 7, "minute": 17}
